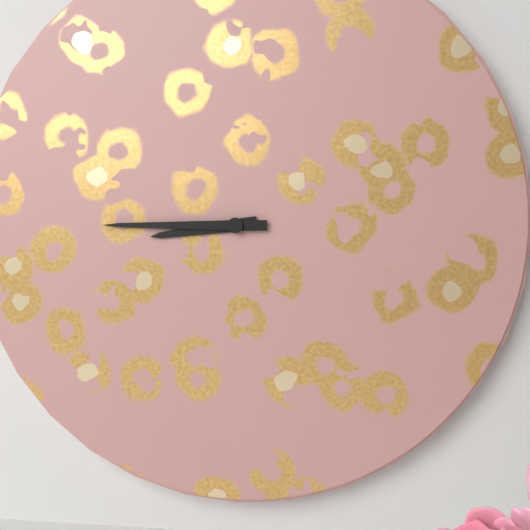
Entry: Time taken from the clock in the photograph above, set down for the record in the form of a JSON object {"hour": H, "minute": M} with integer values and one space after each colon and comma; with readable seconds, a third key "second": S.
{"hour": 8, "minute": 45}
